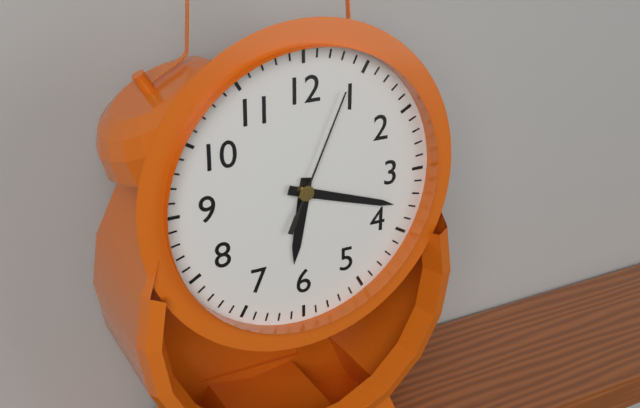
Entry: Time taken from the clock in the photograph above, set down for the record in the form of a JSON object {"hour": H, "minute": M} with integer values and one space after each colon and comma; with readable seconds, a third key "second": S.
{"hour": 6, "minute": 18, "second": 4}
